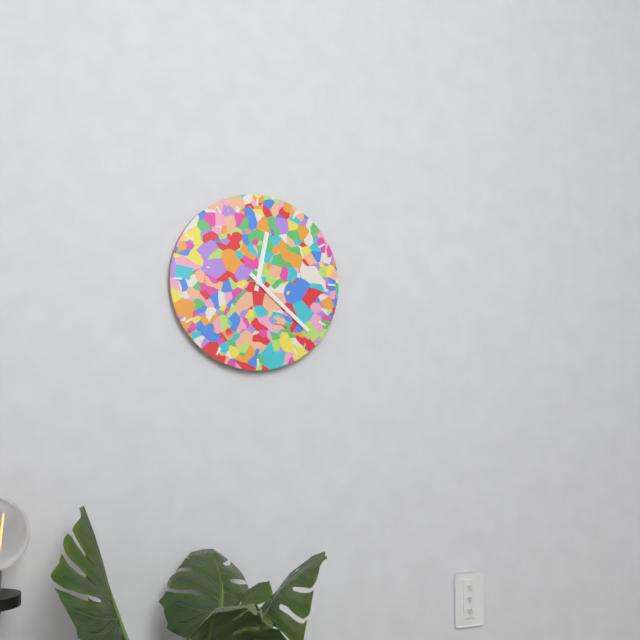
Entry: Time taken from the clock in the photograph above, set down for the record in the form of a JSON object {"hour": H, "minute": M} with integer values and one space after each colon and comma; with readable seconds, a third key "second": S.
{"hour": 12, "minute": 22}
